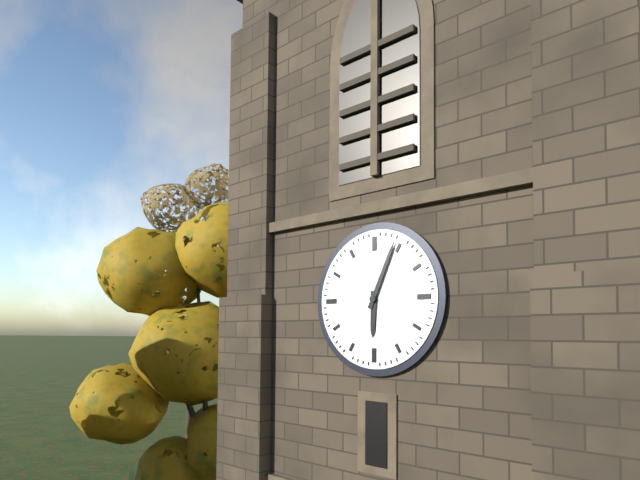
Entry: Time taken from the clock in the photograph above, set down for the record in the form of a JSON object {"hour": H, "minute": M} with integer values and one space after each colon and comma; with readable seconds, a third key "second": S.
{"hour": 6, "minute": 4}
